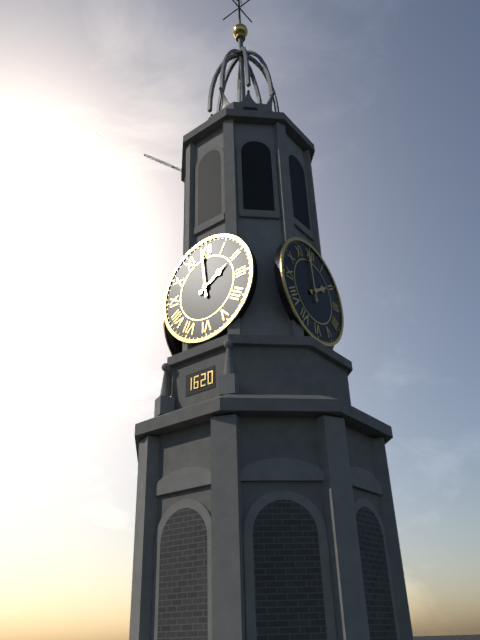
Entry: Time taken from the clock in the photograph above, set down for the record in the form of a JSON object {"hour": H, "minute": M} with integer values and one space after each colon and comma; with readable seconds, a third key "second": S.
{"hour": 1, "minute": 59}
